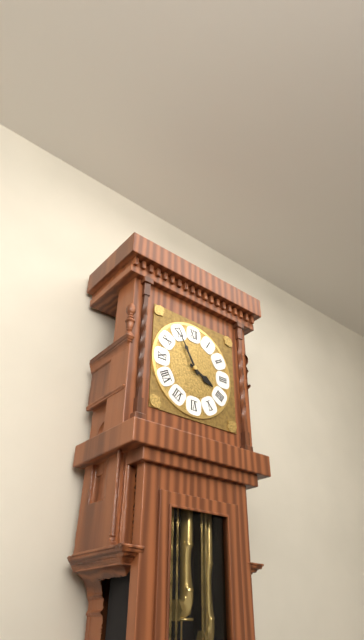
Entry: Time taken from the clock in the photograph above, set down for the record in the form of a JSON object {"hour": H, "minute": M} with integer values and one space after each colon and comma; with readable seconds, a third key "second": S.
{"hour": 3, "minute": 55}
